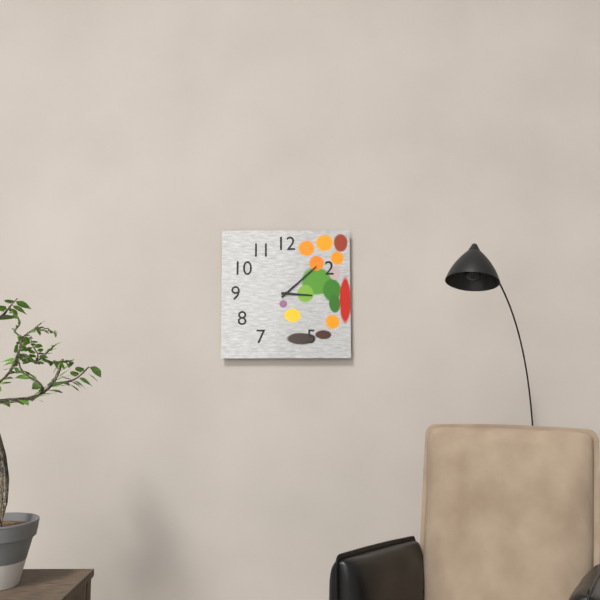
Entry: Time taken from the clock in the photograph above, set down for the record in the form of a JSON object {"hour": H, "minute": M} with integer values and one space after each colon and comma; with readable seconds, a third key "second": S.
{"hour": 3, "minute": 8}
